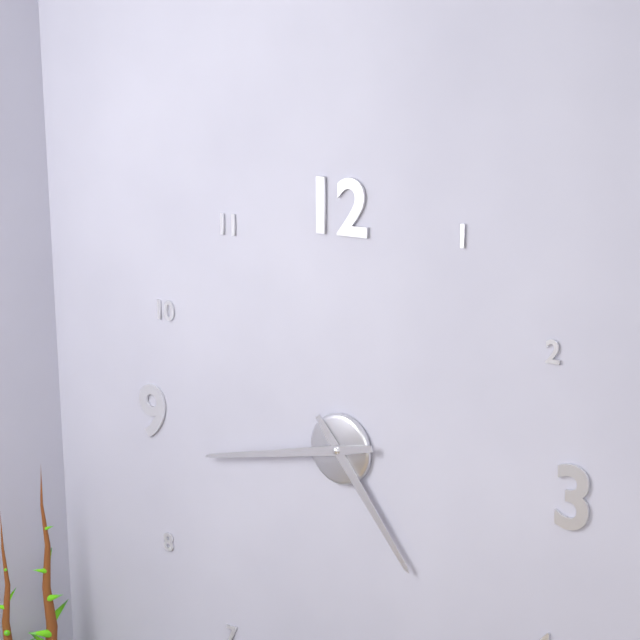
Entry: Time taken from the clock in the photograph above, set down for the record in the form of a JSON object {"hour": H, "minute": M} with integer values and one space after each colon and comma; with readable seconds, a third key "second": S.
{"hour": 4, "minute": 43}
